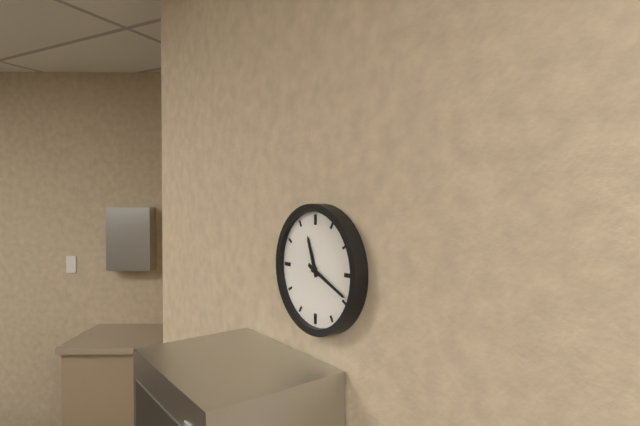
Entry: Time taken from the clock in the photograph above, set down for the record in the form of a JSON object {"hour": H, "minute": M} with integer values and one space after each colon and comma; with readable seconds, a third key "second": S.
{"hour": 11, "minute": 19}
